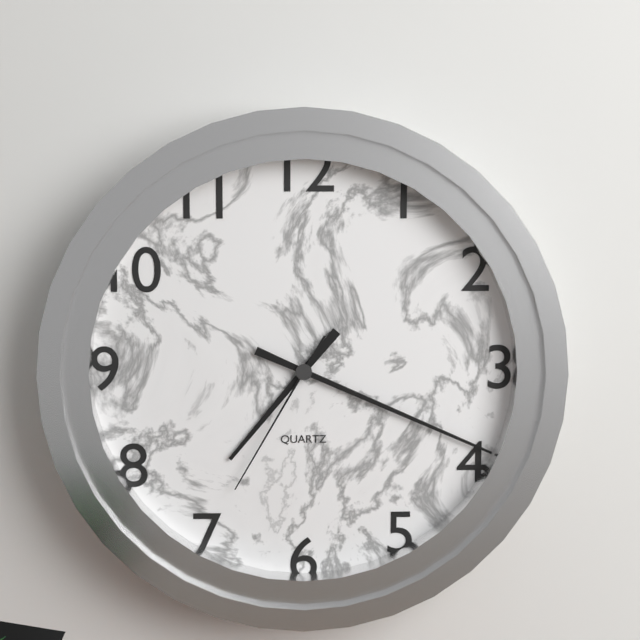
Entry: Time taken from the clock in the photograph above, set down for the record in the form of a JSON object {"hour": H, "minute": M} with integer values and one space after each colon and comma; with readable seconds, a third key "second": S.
{"hour": 7, "minute": 19, "second": 35}
